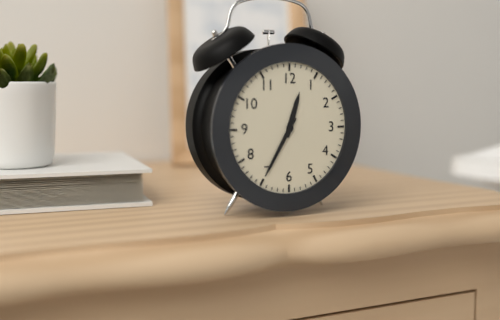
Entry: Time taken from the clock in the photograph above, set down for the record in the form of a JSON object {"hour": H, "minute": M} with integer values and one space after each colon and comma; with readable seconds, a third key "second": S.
{"hour": 12, "minute": 35}
